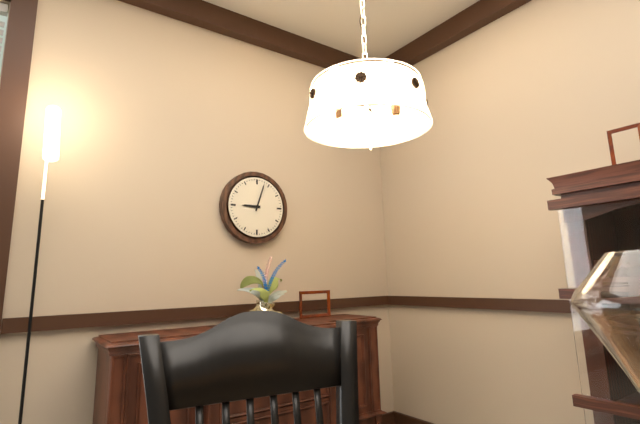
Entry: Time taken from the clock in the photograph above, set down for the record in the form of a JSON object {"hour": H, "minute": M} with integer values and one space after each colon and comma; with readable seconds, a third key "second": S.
{"hour": 9, "minute": 3}
